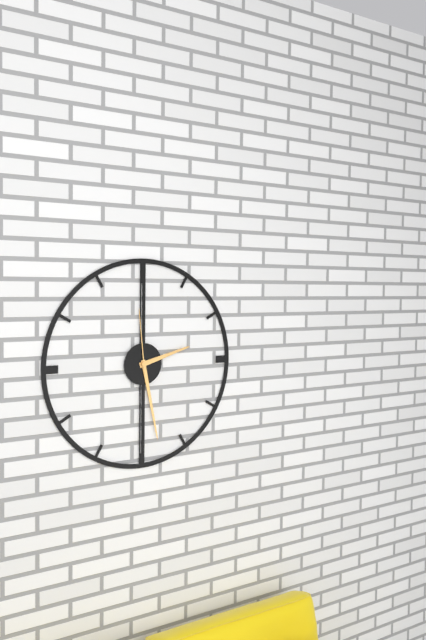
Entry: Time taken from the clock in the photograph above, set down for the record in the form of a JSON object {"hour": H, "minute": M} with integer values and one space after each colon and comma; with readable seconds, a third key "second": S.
{"hour": 2, "minute": 28, "second": 59}
